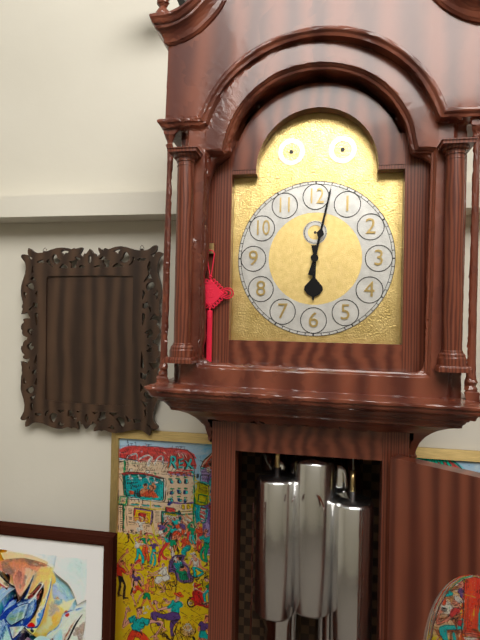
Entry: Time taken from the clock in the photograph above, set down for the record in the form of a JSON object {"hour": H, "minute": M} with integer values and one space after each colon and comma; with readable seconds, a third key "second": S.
{"hour": 6, "minute": 2}
